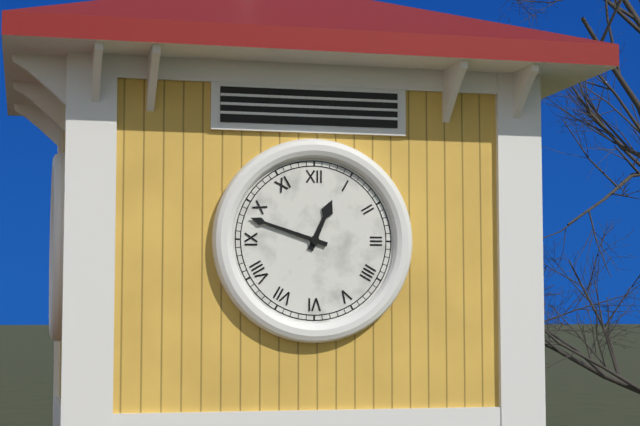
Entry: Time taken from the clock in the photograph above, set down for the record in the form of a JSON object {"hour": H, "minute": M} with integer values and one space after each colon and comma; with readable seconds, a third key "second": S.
{"hour": 12, "minute": 48}
